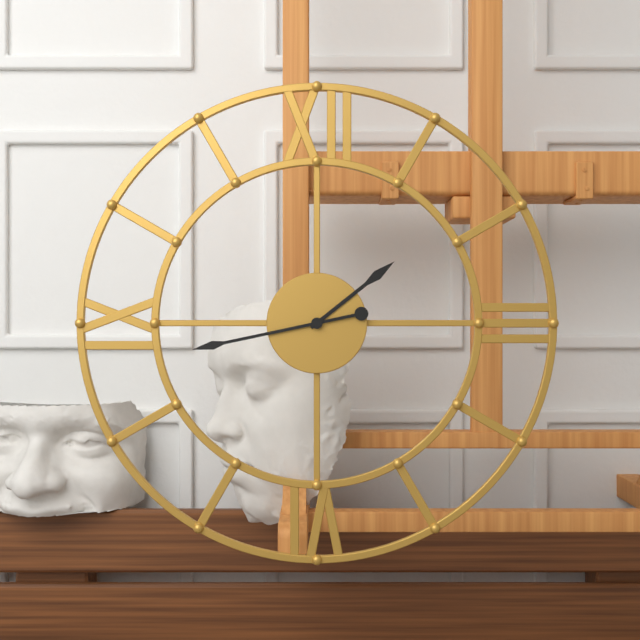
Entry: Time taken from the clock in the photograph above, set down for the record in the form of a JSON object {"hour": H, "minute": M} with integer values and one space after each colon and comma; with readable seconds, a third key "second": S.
{"hour": 1, "minute": 43}
